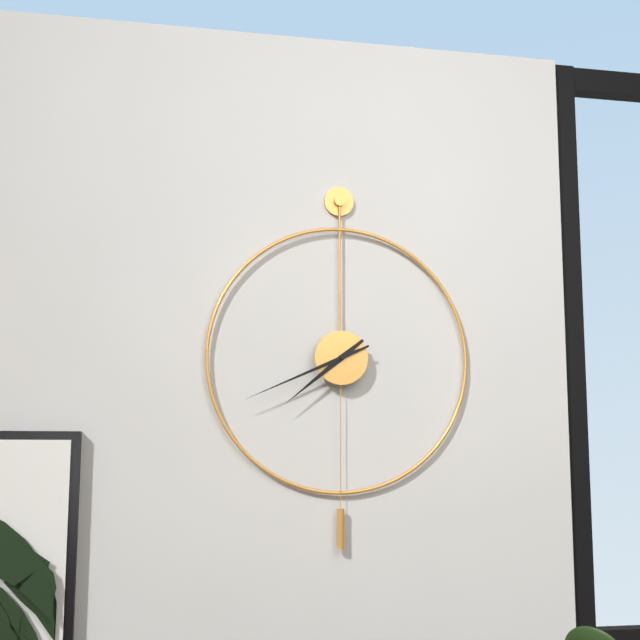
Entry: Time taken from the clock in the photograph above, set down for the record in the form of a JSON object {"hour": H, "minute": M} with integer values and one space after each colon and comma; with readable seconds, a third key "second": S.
{"hour": 7, "minute": 41}
